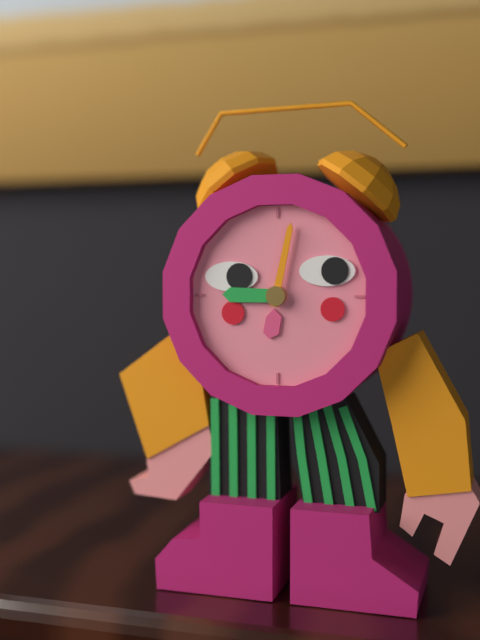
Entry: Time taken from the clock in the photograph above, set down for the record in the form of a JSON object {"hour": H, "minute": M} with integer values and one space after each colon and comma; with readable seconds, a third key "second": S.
{"hour": 9, "minute": 2}
